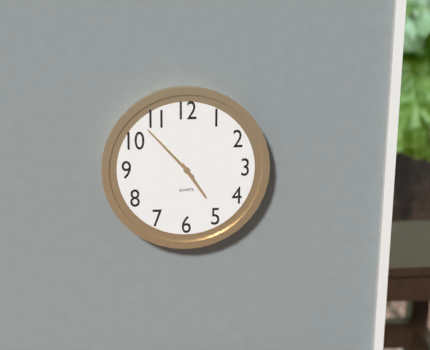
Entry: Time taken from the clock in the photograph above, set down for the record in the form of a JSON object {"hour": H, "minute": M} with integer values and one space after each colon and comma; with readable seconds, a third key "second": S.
{"hour": 4, "minute": 53}
